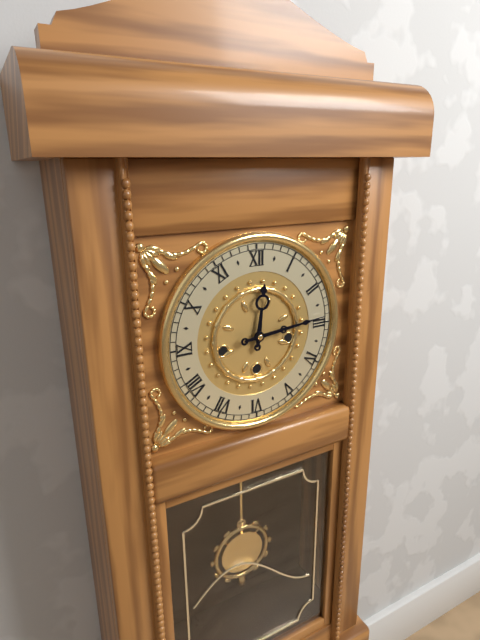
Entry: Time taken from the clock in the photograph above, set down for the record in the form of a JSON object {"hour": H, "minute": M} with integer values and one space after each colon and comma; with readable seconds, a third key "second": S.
{"hour": 12, "minute": 14}
